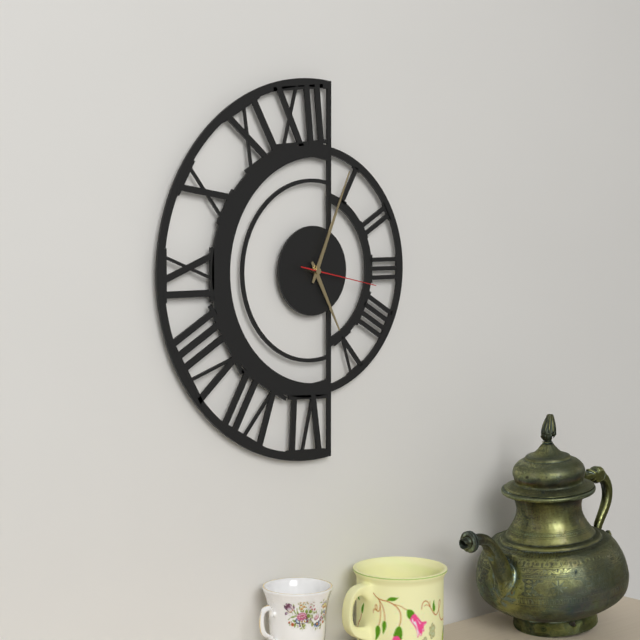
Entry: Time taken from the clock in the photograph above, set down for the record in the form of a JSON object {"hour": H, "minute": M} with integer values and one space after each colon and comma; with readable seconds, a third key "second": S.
{"hour": 5, "minute": 4, "second": 17}
